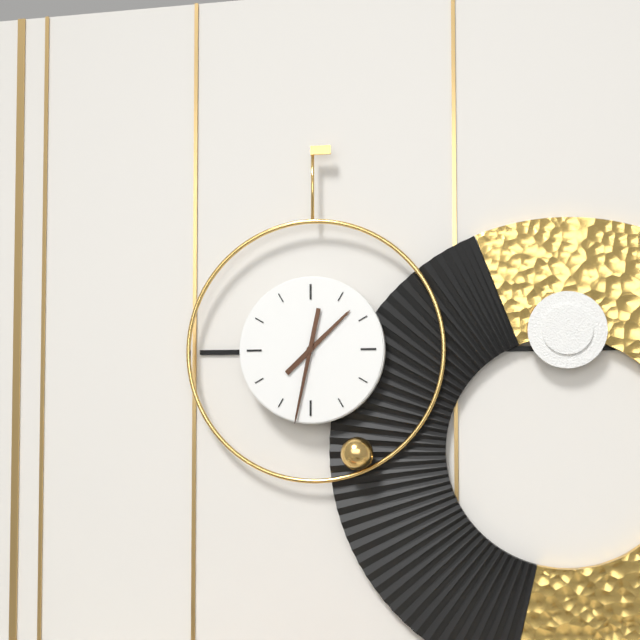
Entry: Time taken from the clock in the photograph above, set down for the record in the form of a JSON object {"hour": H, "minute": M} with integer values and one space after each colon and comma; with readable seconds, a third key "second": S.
{"hour": 1, "minute": 32}
